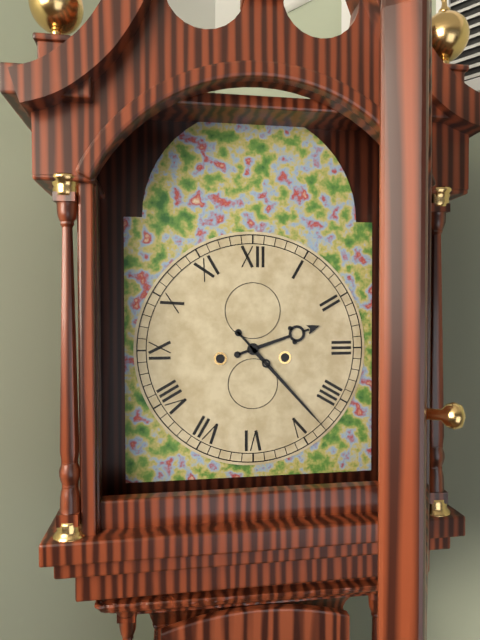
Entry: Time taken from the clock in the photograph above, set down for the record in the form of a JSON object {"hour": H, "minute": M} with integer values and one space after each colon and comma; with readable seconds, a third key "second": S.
{"hour": 2, "minute": 23}
